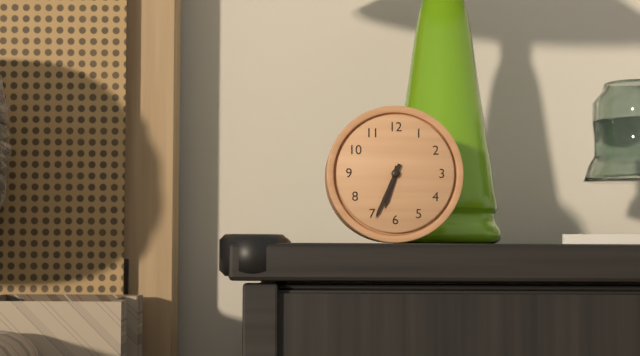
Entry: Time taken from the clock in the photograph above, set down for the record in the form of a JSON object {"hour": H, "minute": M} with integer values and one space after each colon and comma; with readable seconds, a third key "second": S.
{"hour": 6, "minute": 34}
